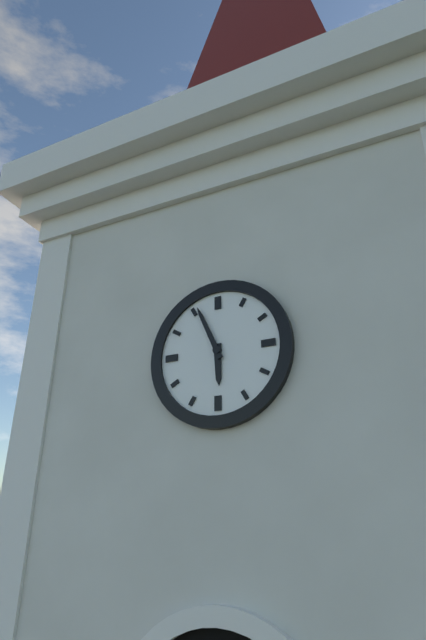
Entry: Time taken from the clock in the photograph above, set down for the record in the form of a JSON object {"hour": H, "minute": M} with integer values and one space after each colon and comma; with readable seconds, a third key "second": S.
{"hour": 5, "minute": 56}
